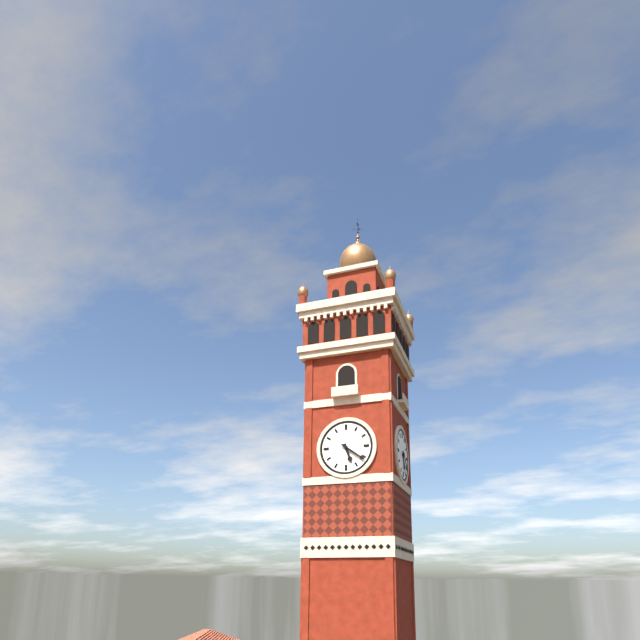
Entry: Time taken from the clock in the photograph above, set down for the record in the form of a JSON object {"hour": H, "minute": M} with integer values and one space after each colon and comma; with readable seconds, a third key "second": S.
{"hour": 5, "minute": 21}
